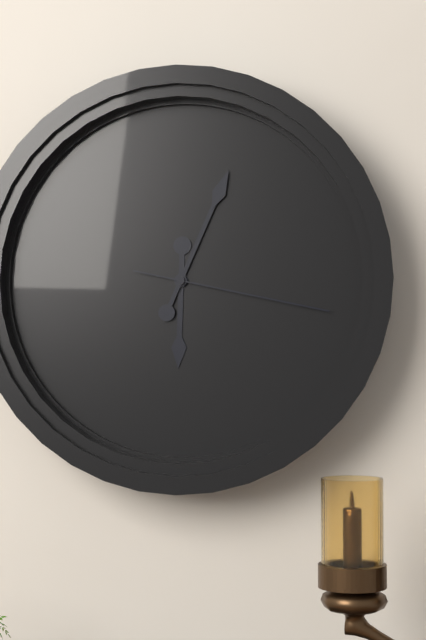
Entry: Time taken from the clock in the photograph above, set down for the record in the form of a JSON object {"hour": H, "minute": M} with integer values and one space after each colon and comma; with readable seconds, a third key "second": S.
{"hour": 6, "minute": 4, "second": 17}
